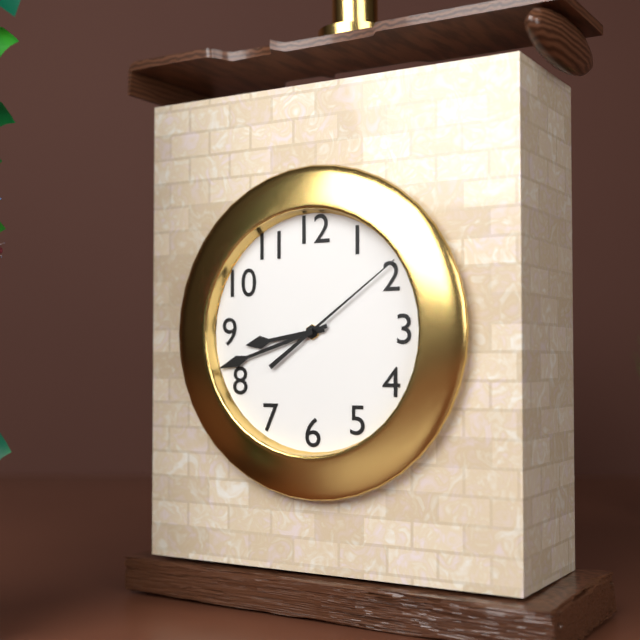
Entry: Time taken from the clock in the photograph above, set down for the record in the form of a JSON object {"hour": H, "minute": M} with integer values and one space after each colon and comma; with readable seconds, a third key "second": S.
{"hour": 8, "minute": 42, "second": 9}
